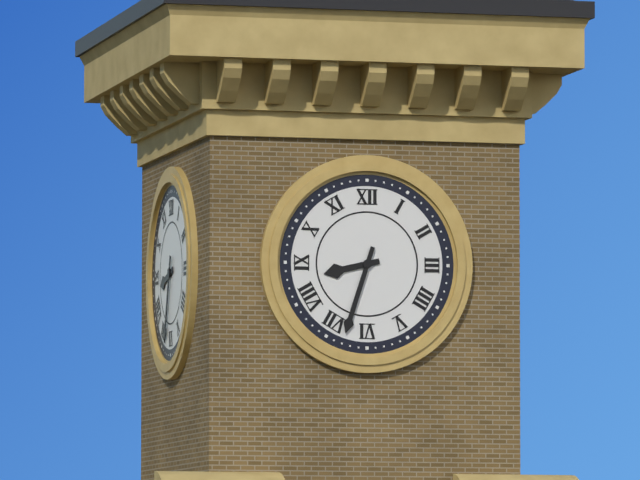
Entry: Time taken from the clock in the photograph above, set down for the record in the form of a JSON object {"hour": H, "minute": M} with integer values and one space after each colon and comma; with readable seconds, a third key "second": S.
{"hour": 8, "minute": 33}
